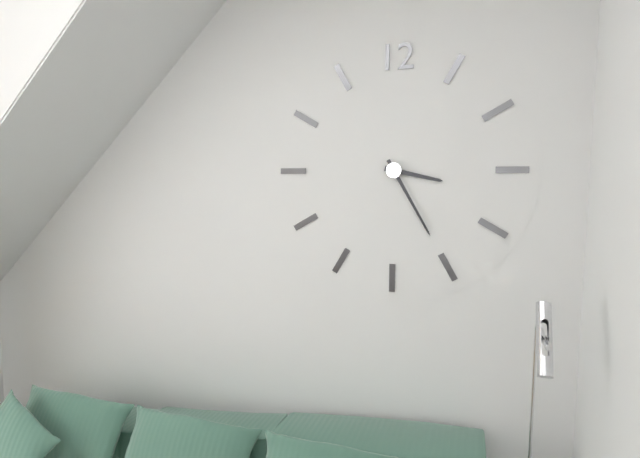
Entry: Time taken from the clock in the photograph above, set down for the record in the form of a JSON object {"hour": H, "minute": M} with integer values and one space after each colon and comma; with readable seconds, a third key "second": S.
{"hour": 3, "minute": 25}
